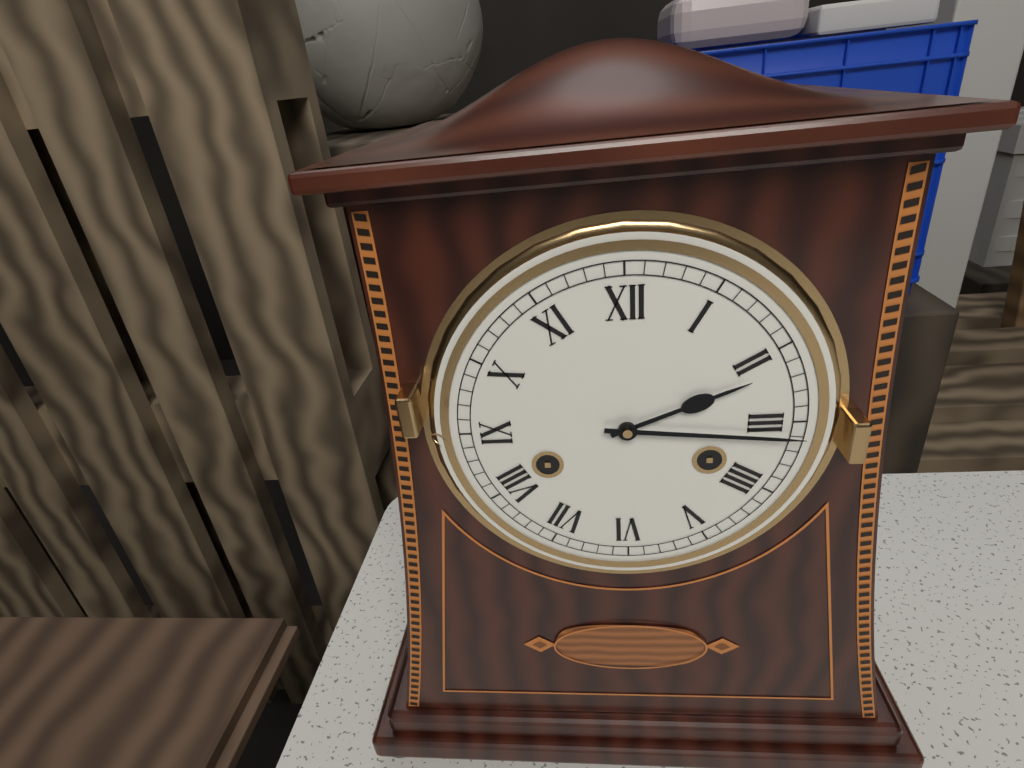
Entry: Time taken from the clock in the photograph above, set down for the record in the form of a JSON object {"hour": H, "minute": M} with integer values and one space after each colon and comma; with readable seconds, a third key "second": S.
{"hour": 2, "minute": 16}
